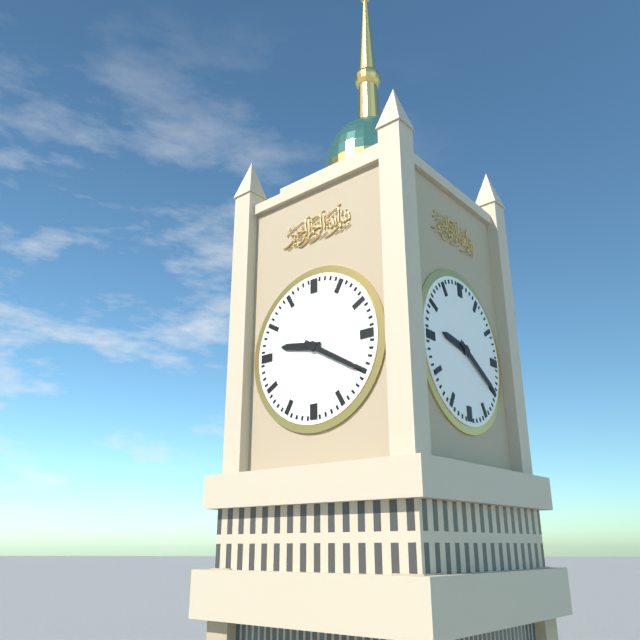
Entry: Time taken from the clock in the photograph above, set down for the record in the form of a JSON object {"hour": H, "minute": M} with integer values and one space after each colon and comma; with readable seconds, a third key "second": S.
{"hour": 9, "minute": 20}
